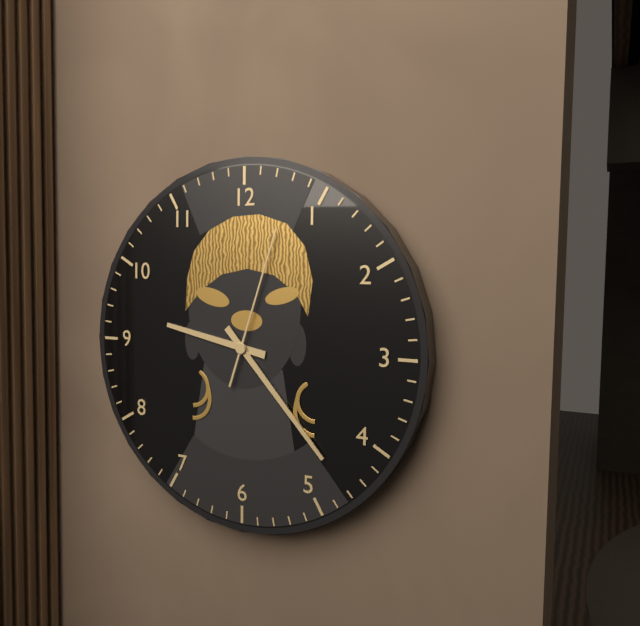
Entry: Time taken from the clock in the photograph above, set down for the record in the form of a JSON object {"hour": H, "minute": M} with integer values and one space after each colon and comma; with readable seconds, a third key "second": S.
{"hour": 9, "minute": 23, "second": 3}
